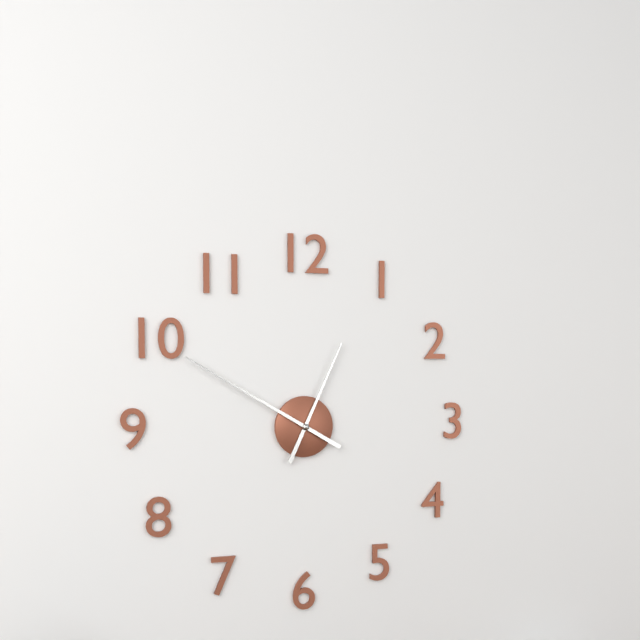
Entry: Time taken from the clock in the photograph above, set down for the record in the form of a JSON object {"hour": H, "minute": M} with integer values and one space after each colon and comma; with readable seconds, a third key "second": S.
{"hour": 12, "minute": 50}
